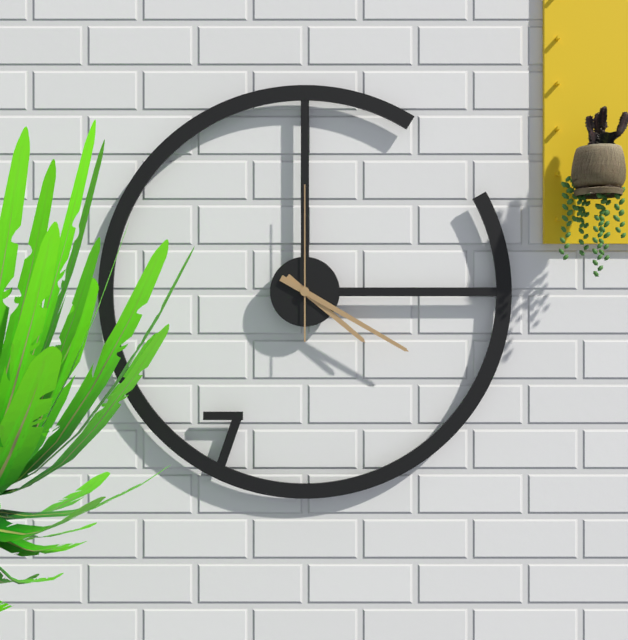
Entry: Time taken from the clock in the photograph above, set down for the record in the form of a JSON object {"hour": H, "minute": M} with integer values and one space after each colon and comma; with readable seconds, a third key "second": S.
{"hour": 4, "minute": 20, "second": 0}
